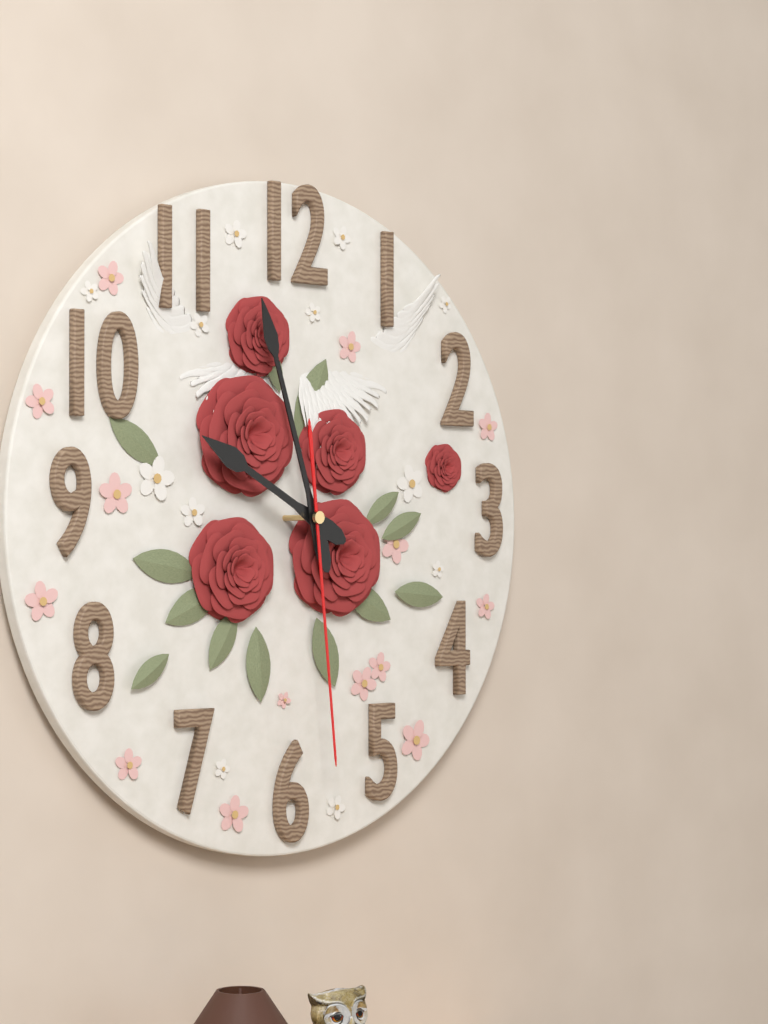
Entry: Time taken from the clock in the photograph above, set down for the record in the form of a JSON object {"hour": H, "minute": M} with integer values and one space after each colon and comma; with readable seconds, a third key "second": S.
{"hour": 9, "minute": 57, "second": 29}
